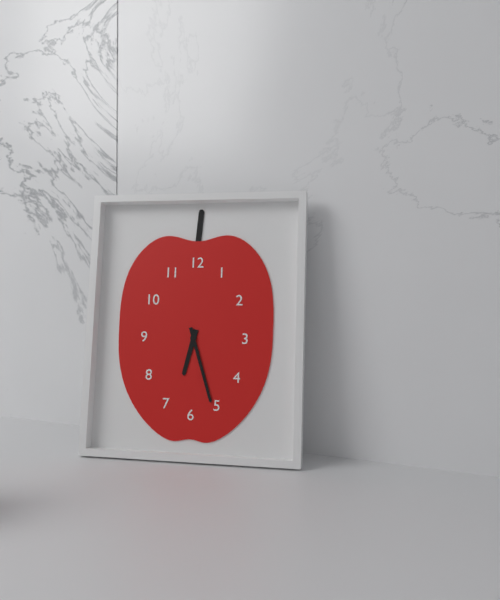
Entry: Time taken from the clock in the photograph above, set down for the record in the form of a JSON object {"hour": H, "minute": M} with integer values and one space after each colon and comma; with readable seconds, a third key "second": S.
{"hour": 6, "minute": 27}
